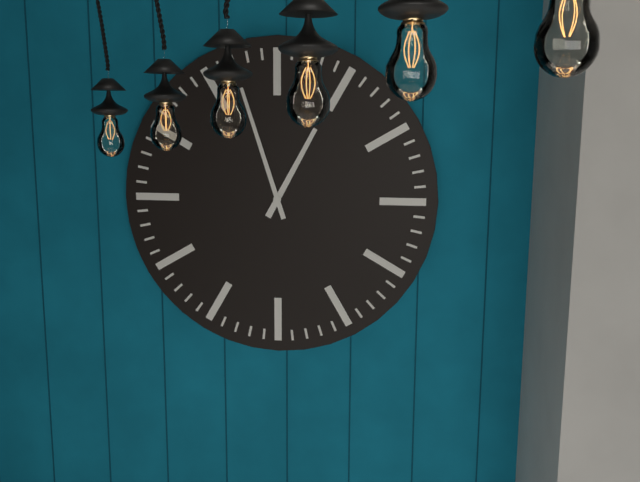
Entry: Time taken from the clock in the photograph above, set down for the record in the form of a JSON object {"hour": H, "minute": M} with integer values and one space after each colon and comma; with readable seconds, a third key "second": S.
{"hour": 12, "minute": 57}
